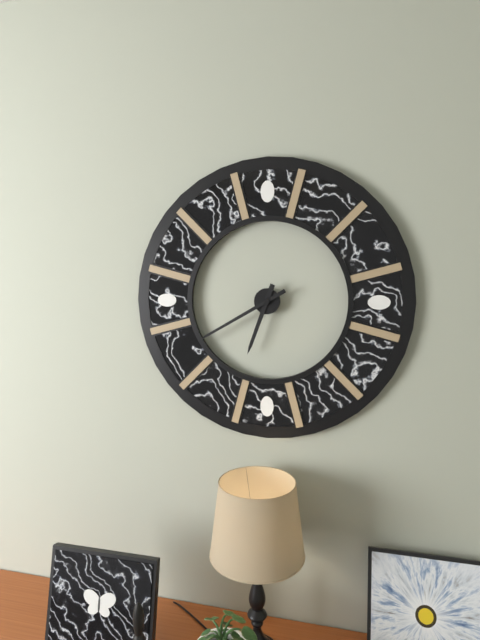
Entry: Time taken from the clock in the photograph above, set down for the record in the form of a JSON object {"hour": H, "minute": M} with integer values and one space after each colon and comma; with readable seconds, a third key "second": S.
{"hour": 6, "minute": 40}
